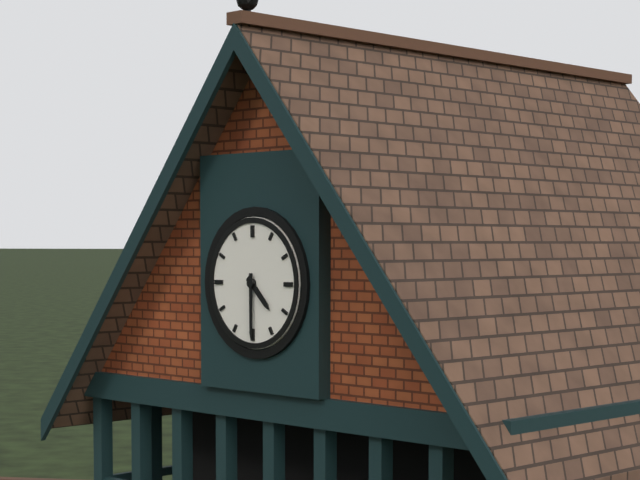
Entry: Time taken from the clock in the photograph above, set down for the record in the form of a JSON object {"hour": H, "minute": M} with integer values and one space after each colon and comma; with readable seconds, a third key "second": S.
{"hour": 4, "minute": 30}
